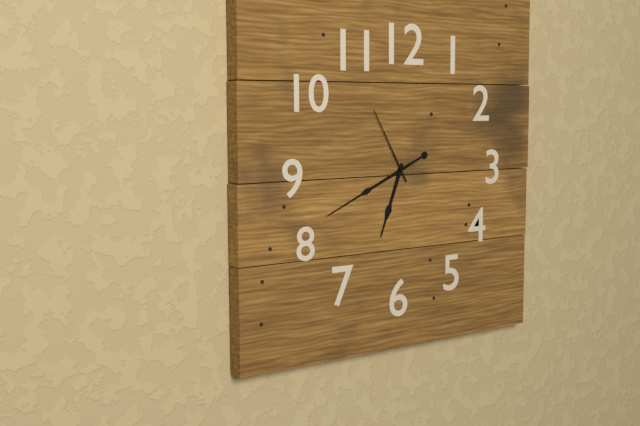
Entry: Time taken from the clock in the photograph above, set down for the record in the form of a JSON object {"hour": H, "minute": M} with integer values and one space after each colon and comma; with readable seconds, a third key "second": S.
{"hour": 6, "minute": 41, "second": 55}
